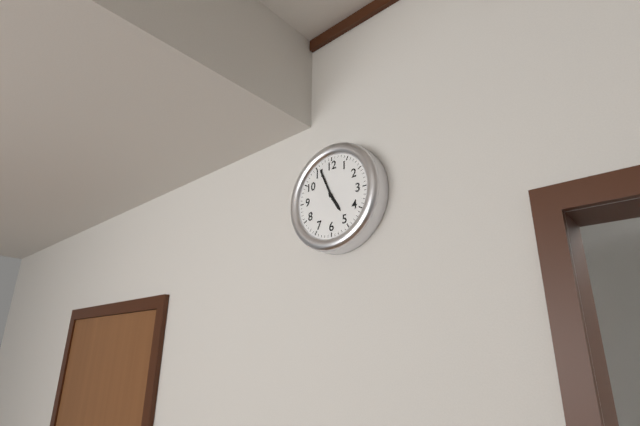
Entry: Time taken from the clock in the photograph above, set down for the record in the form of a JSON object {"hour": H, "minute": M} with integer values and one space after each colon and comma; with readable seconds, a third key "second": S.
{"hour": 4, "minute": 56}
